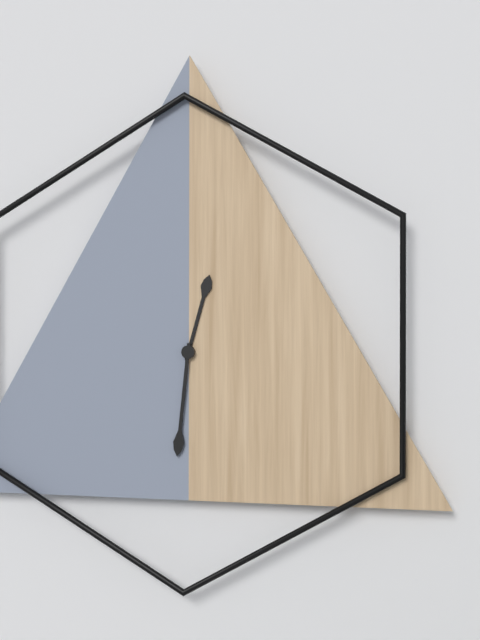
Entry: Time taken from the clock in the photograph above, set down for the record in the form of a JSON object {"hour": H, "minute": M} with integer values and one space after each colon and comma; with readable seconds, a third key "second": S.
{"hour": 12, "minute": 31}
